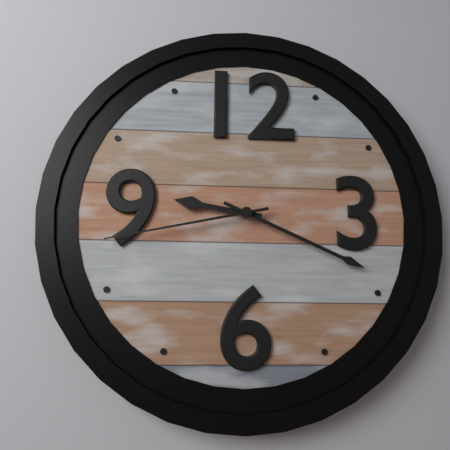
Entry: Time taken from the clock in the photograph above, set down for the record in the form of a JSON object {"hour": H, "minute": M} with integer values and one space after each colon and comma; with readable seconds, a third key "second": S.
{"hour": 9, "minute": 19, "second": 43}
